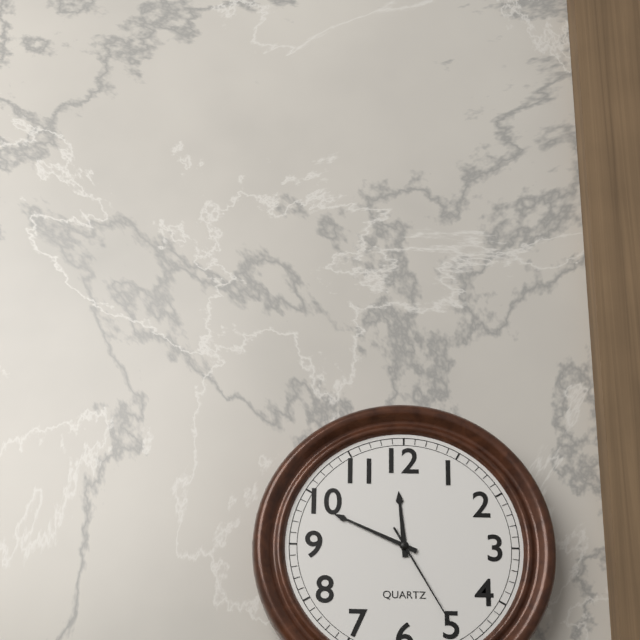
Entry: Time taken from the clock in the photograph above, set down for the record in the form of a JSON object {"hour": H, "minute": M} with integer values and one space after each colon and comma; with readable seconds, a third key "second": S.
{"hour": 11, "minute": 49, "second": 25}
